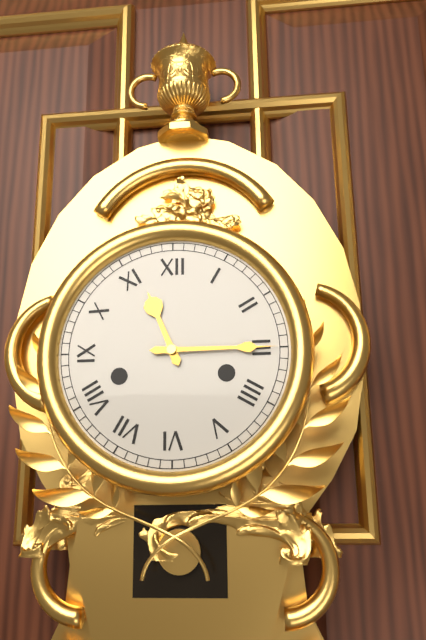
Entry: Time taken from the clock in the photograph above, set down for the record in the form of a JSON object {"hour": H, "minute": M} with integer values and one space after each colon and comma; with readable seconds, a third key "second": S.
{"hour": 11, "minute": 15}
